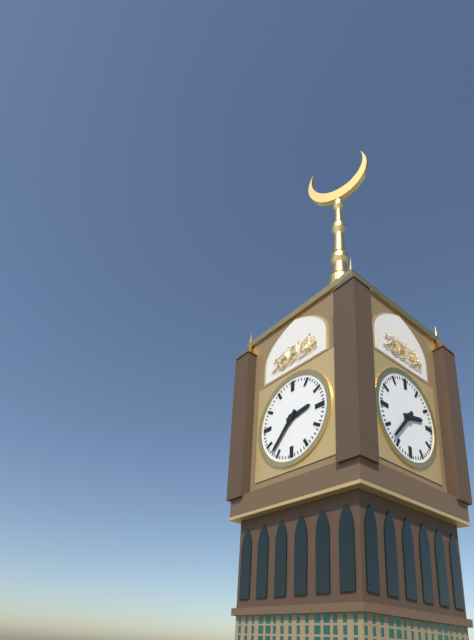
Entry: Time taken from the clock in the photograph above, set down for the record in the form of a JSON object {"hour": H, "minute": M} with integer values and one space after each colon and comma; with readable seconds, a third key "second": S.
{"hour": 2, "minute": 37}
